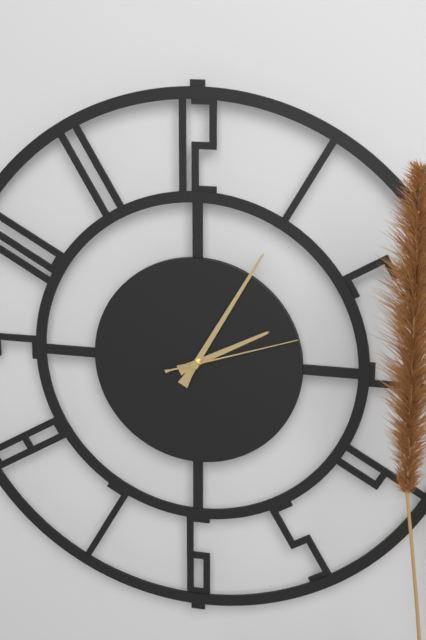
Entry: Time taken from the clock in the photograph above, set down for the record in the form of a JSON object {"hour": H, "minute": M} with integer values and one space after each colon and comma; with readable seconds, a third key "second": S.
{"hour": 2, "minute": 5, "second": 12}
